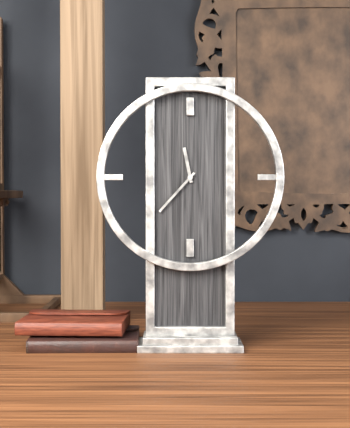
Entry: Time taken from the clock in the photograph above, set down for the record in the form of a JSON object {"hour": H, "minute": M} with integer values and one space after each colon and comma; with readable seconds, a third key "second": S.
{"hour": 11, "minute": 37}
